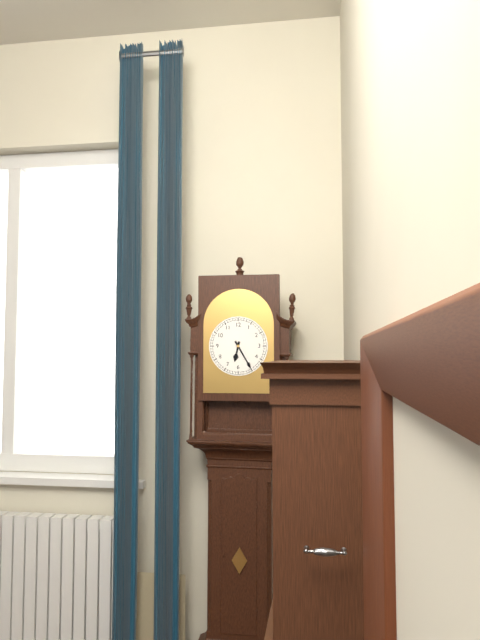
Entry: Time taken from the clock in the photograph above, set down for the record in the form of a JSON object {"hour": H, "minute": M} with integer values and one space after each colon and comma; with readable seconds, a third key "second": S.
{"hour": 6, "minute": 25}
